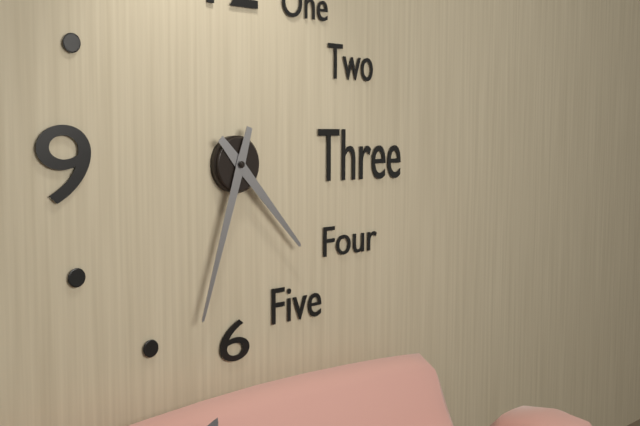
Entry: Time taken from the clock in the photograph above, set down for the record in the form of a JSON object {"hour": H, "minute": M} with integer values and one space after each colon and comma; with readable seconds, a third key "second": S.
{"hour": 4, "minute": 33}
